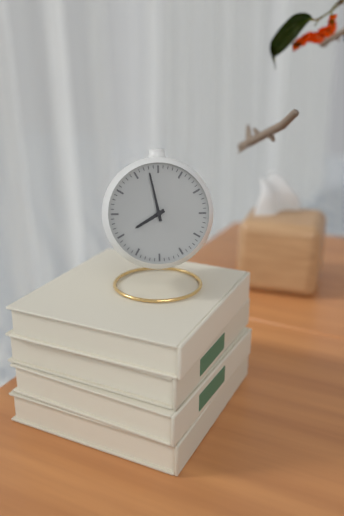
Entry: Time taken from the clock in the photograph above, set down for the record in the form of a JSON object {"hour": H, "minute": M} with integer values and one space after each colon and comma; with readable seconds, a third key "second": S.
{"hour": 7, "minute": 58}
